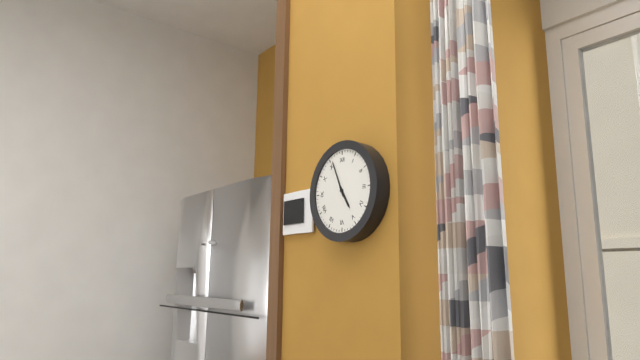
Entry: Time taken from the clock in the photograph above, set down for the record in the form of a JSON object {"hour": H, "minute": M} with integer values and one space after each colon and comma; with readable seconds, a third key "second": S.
{"hour": 4, "minute": 56}
